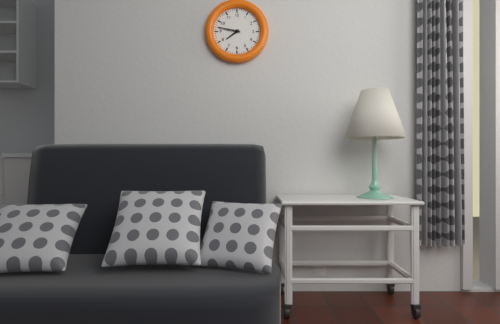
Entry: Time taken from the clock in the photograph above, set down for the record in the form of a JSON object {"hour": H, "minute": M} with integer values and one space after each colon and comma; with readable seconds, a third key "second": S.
{"hour": 7, "minute": 47}
